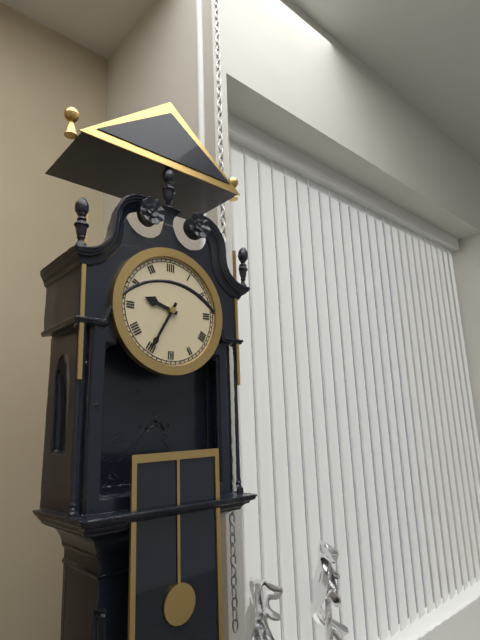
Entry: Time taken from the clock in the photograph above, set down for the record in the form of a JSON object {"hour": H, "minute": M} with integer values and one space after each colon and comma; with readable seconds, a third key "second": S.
{"hour": 9, "minute": 35}
